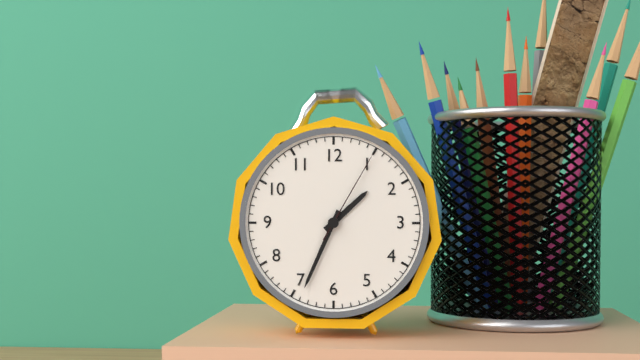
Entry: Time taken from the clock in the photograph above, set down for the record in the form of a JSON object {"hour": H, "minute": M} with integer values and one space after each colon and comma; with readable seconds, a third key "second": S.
{"hour": 1, "minute": 34, "second": 5}
